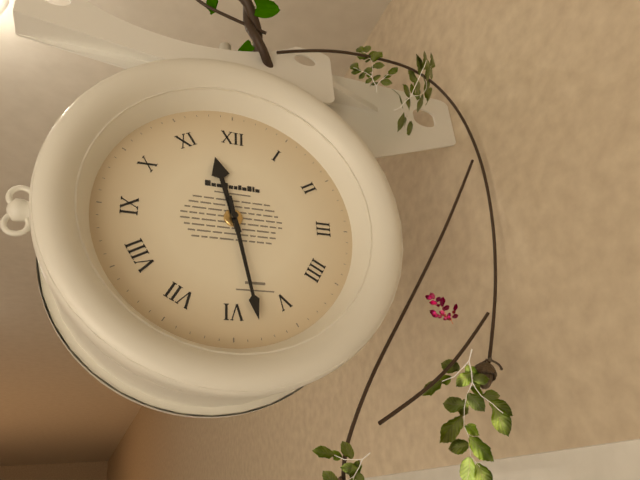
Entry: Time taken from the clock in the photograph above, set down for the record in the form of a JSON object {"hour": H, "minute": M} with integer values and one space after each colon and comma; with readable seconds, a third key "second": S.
{"hour": 11, "minute": 28}
